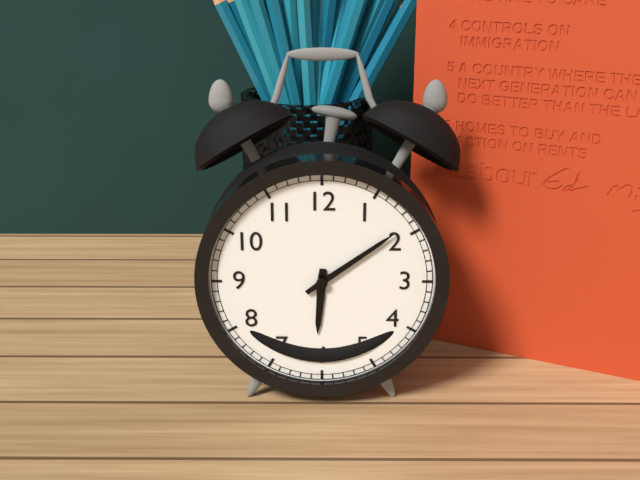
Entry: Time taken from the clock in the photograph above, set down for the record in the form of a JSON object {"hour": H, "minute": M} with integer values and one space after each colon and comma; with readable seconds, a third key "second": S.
{"hour": 6, "minute": 9}
